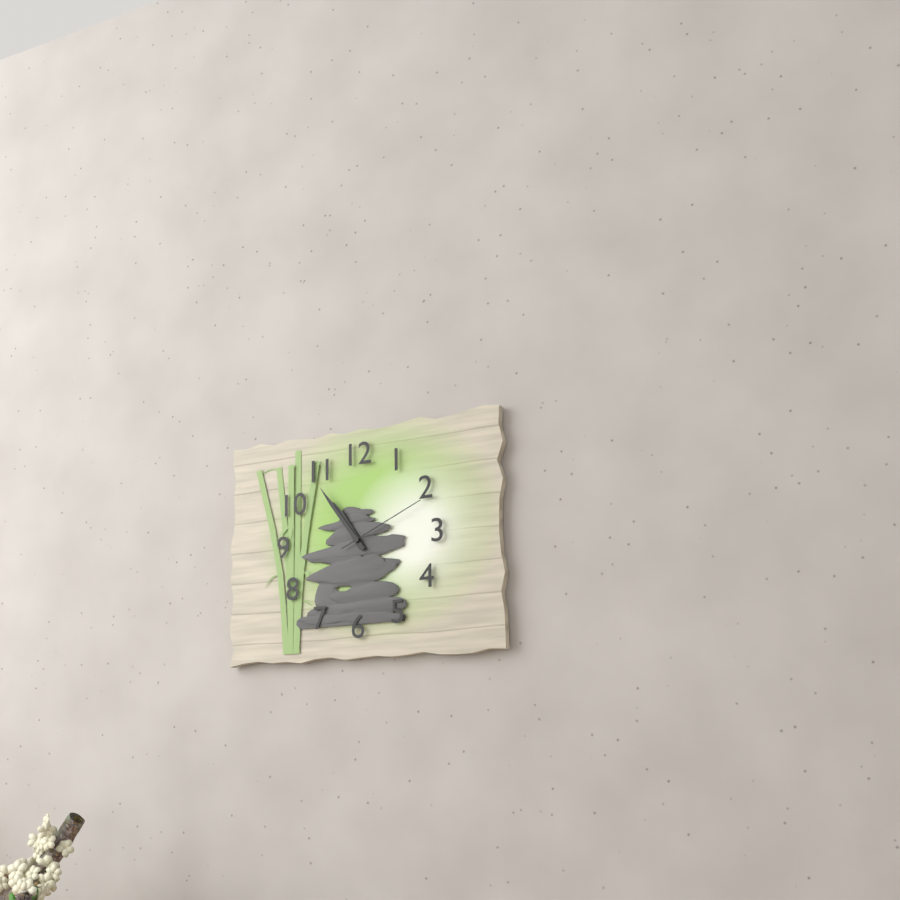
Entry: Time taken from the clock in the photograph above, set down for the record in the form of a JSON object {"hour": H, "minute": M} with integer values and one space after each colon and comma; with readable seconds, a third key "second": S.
{"hour": 10, "minute": 54, "second": 11}
